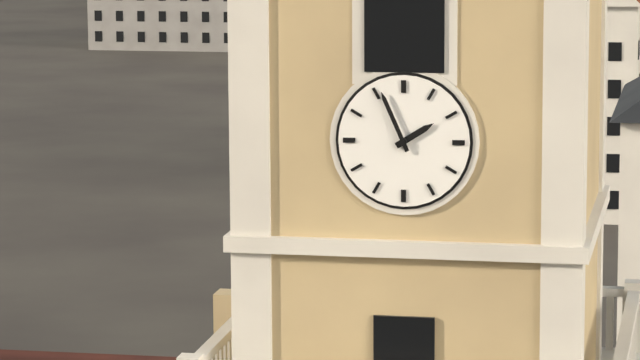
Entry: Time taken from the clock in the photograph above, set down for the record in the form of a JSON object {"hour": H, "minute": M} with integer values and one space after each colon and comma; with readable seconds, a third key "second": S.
{"hour": 1, "minute": 56}
